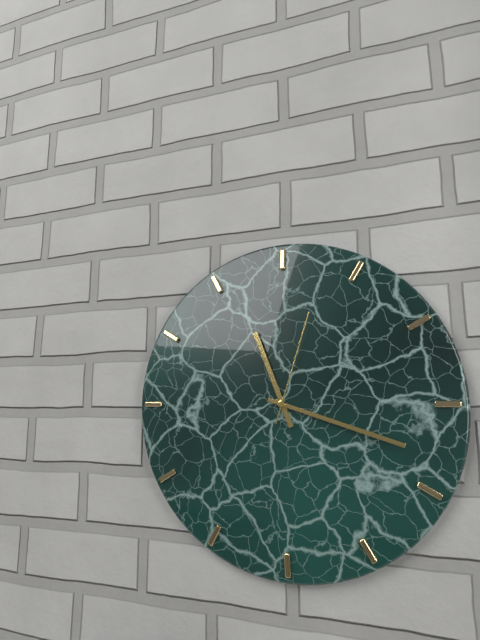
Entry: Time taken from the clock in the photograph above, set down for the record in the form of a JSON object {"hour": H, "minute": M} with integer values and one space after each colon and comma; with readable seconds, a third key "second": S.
{"hour": 11, "minute": 18, "second": 3}
